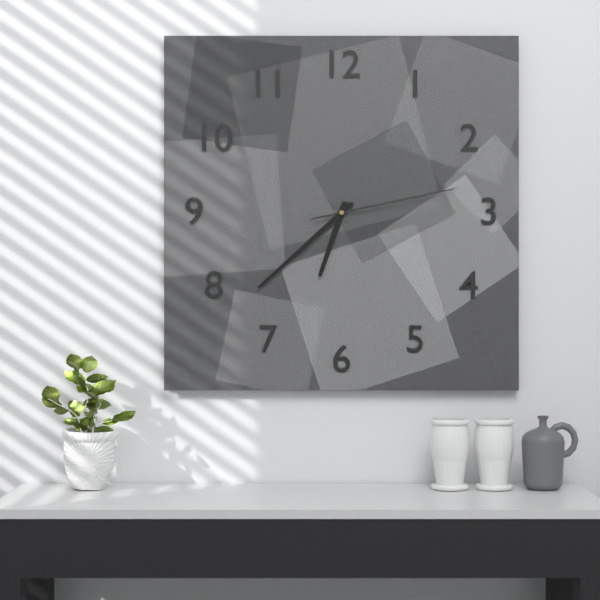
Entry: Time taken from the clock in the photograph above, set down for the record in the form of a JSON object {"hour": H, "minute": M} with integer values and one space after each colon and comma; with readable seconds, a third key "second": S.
{"hour": 6, "minute": 38, "second": 13}
